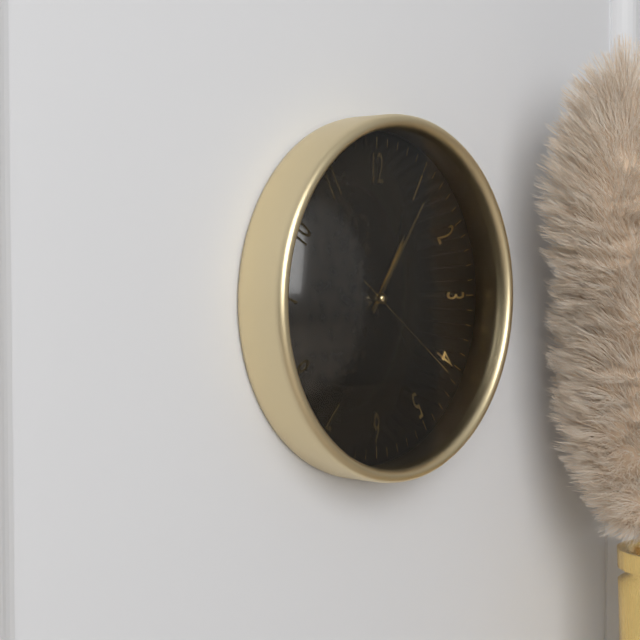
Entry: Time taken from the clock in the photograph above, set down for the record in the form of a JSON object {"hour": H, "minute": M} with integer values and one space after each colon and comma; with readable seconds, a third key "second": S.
{"hour": 1, "minute": 6, "second": 21}
